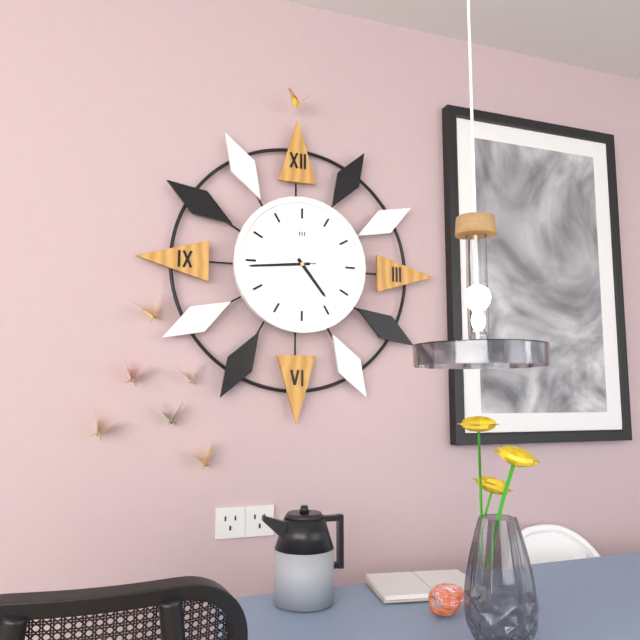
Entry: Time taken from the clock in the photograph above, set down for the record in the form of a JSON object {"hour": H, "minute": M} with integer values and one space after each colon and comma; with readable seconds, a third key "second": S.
{"hour": 4, "minute": 44, "second": 44}
